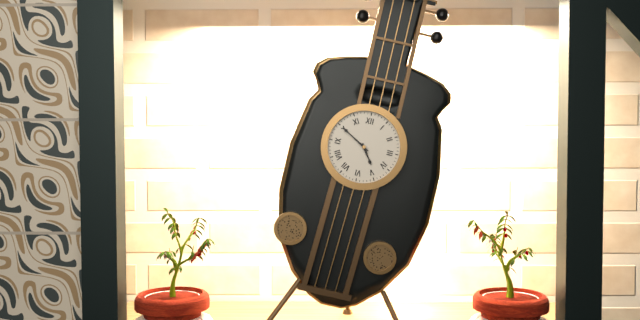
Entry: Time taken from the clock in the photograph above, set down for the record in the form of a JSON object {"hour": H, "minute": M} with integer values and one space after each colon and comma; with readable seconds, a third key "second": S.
{"hour": 4, "minute": 50}
